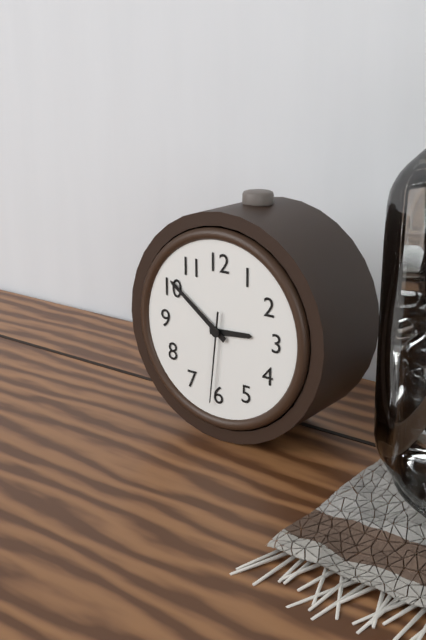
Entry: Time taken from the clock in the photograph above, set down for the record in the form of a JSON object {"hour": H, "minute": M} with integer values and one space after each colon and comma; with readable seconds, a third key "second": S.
{"hour": 2, "minute": 51, "second": 31}
